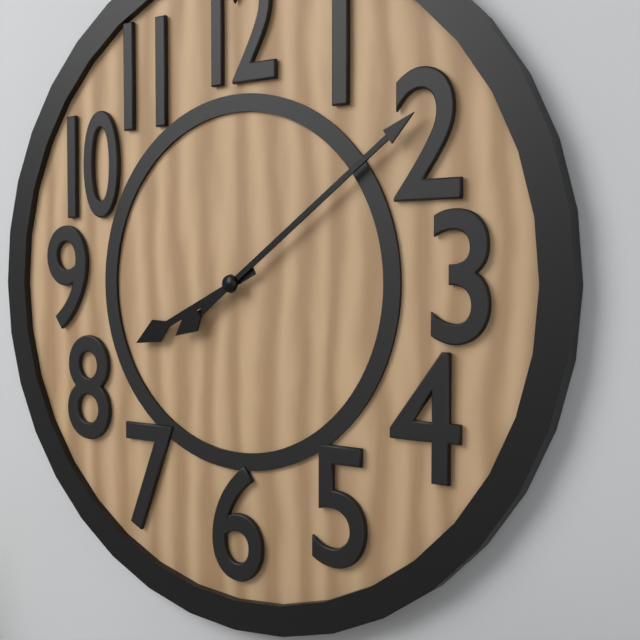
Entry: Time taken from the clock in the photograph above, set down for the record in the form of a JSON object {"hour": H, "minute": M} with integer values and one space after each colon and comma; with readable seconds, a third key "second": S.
{"hour": 8, "minute": 9}
